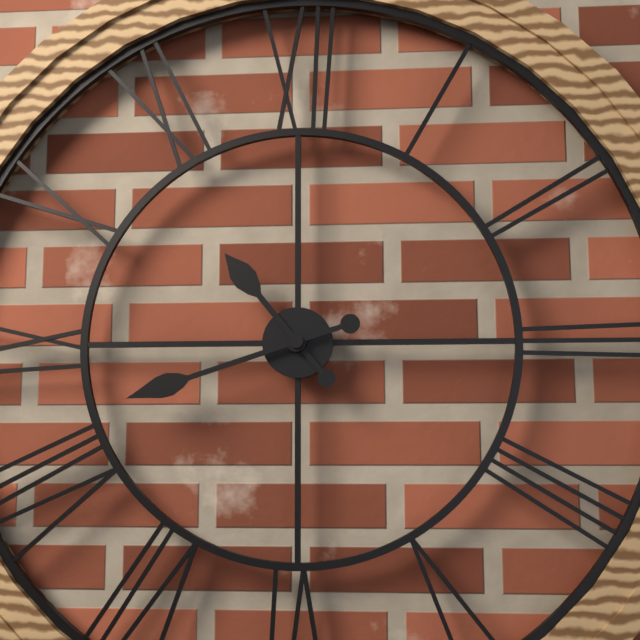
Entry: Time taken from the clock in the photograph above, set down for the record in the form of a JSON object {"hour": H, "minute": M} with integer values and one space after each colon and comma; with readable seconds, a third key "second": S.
{"hour": 10, "minute": 42}
